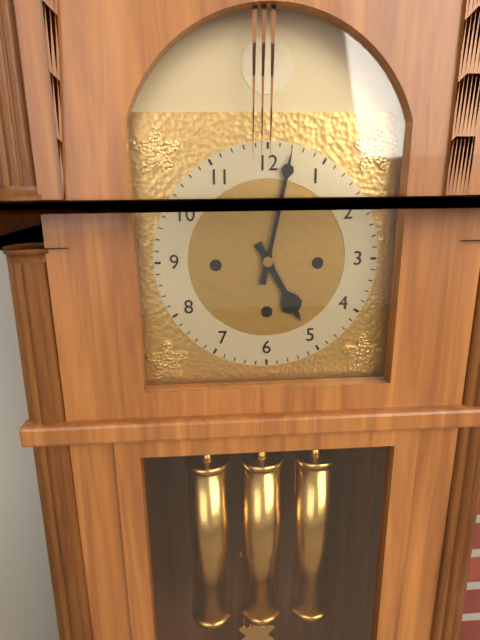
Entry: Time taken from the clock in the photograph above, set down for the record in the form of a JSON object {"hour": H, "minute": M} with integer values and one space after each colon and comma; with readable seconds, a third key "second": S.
{"hour": 5, "minute": 2}
